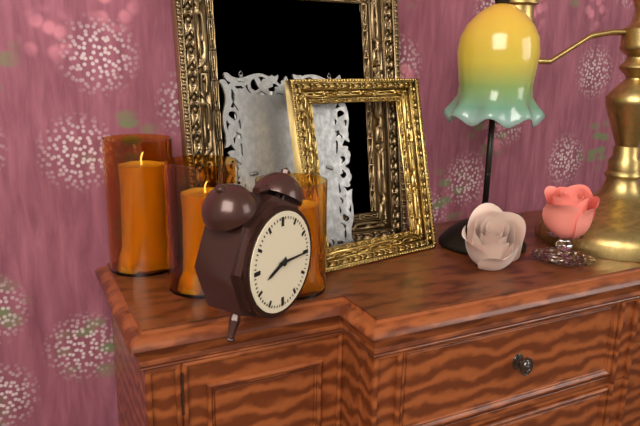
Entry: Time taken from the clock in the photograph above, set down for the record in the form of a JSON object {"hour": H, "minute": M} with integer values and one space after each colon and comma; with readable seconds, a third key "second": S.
{"hour": 8, "minute": 15}
